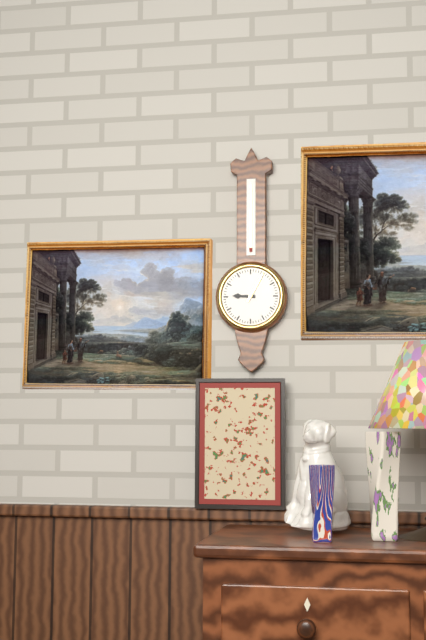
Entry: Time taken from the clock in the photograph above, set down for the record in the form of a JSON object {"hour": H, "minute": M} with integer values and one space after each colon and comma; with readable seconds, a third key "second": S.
{"hour": 9, "minute": 5}
